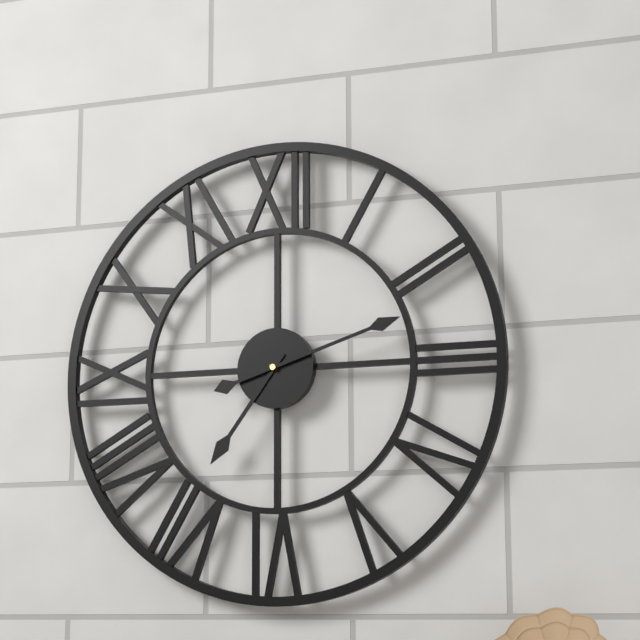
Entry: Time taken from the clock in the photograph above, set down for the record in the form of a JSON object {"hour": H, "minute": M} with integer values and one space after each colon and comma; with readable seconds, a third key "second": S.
{"hour": 7, "minute": 12}
